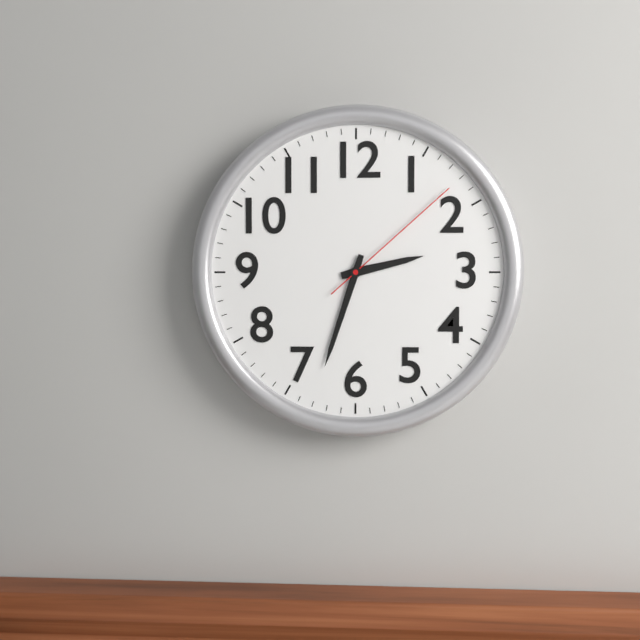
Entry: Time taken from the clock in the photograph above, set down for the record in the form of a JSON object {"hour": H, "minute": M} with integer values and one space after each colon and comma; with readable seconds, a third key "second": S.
{"hour": 2, "minute": 33, "second": 8}
